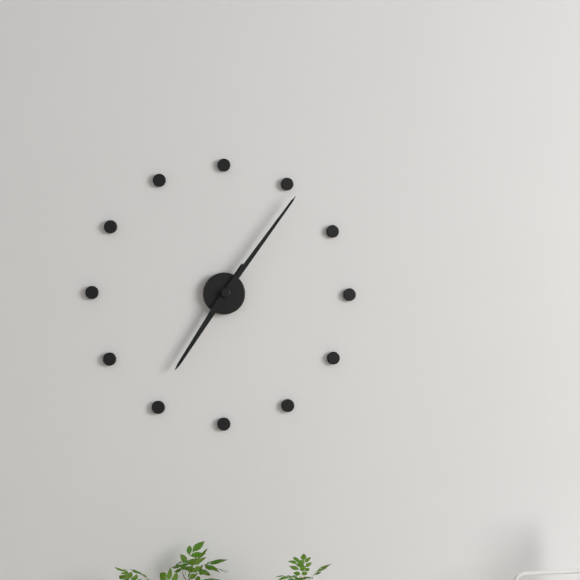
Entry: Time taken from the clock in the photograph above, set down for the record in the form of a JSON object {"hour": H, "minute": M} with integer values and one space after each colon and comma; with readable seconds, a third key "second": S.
{"hour": 7, "minute": 6}
